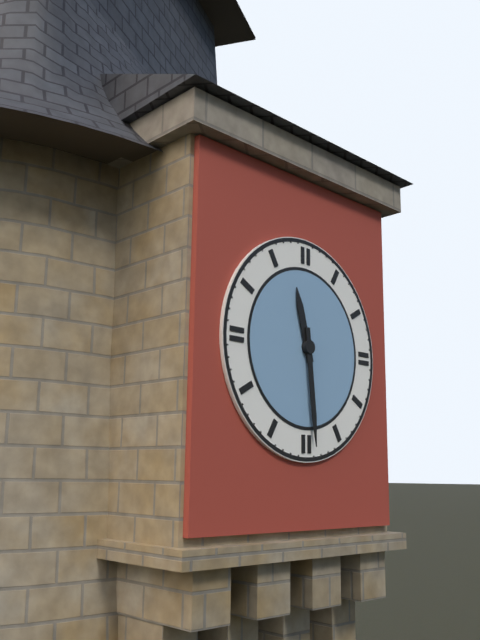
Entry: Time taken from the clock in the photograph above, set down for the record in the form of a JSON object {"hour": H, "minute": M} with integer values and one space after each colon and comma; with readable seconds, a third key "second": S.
{"hour": 11, "minute": 29}
